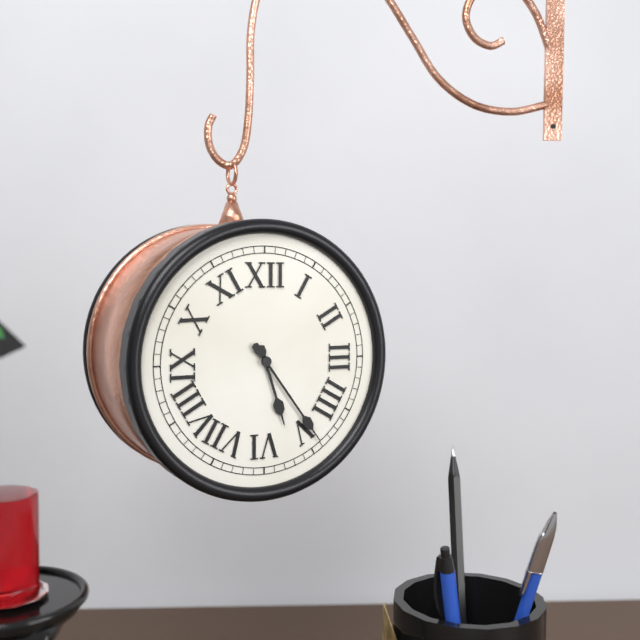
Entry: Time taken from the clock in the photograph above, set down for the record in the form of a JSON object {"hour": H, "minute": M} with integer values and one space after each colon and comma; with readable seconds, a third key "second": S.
{"hour": 5, "minute": 24}
